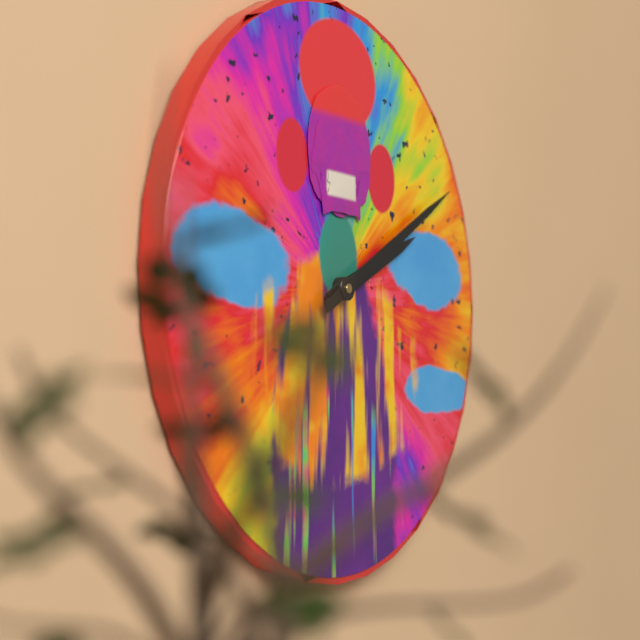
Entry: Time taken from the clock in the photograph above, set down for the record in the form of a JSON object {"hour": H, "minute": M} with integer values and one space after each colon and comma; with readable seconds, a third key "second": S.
{"hour": 2, "minute": 10}
